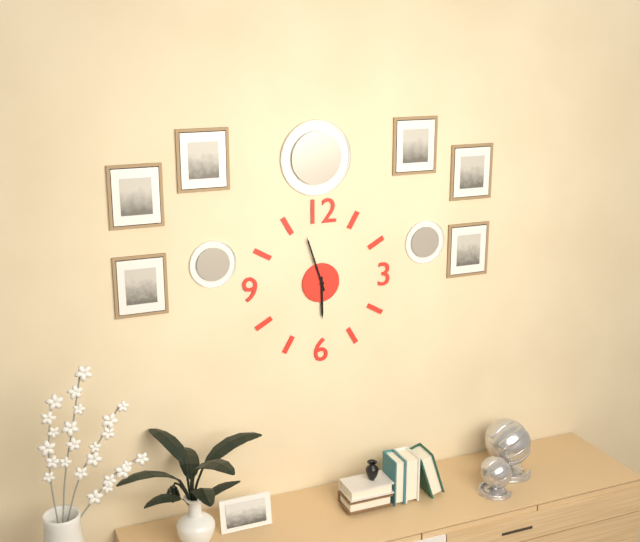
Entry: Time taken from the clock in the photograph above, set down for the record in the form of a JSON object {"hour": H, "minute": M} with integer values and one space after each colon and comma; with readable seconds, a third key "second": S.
{"hour": 5, "minute": 57}
